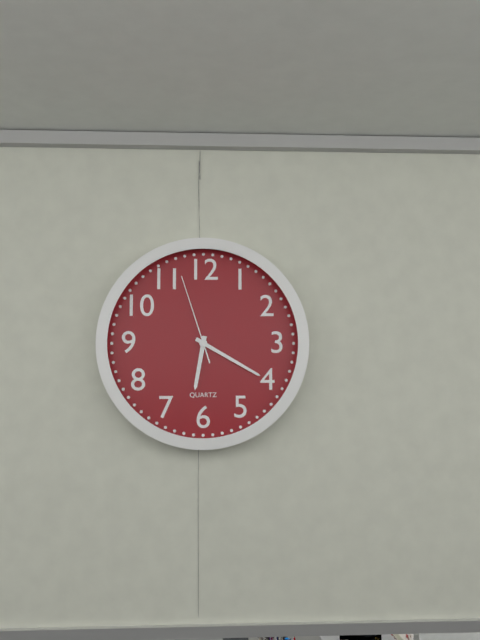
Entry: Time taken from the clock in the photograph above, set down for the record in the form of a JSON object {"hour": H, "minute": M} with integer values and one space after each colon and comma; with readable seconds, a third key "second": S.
{"hour": 6, "minute": 20, "second": 57}
